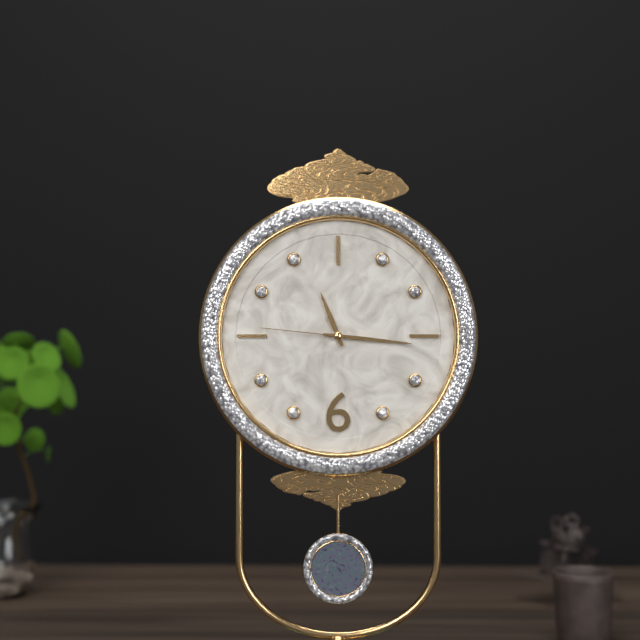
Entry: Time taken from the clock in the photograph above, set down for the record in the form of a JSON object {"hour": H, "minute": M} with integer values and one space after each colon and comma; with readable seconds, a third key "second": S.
{"hour": 11, "minute": 16, "second": 46}
